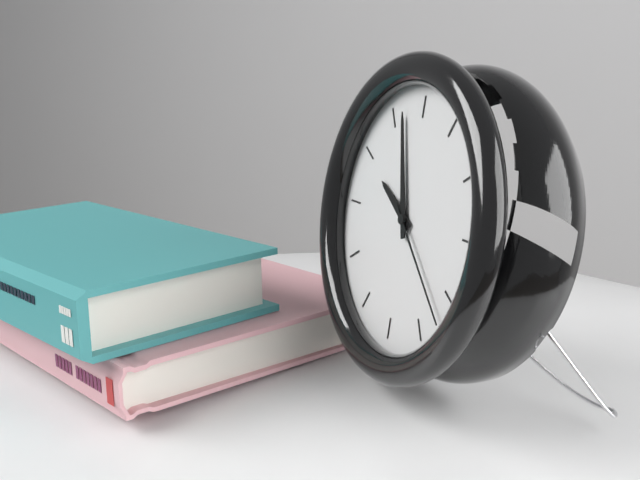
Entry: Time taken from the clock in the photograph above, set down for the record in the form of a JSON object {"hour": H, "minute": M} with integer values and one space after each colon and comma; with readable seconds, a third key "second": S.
{"hour": 9, "minute": 57, "second": 22}
